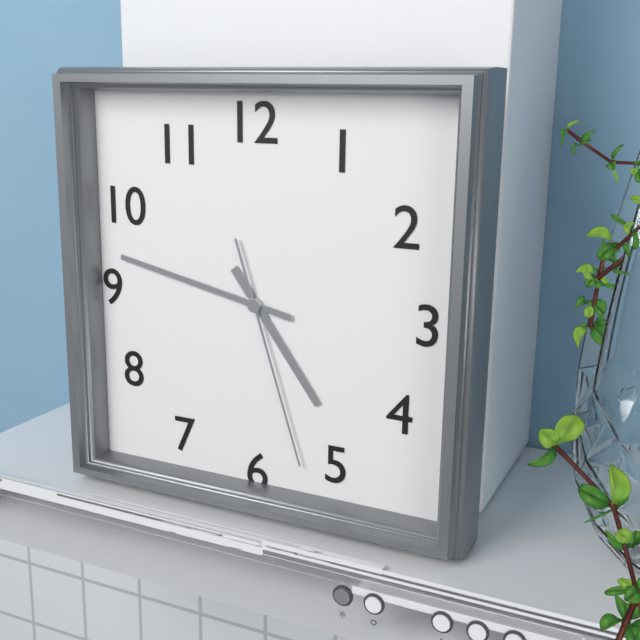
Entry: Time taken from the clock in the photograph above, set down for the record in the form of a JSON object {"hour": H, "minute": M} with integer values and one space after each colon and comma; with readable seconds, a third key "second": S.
{"hour": 4, "minute": 47, "second": 27}
